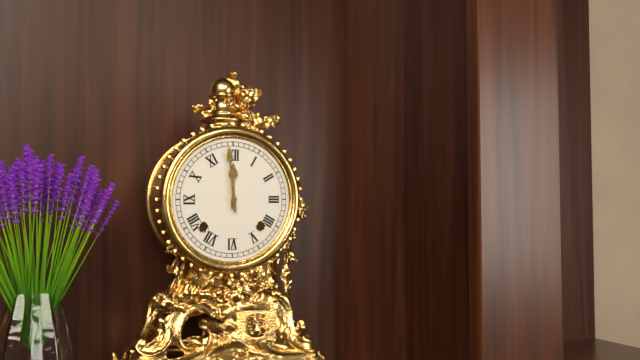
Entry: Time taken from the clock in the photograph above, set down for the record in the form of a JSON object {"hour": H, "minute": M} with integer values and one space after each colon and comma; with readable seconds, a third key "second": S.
{"hour": 11, "minute": 59}
